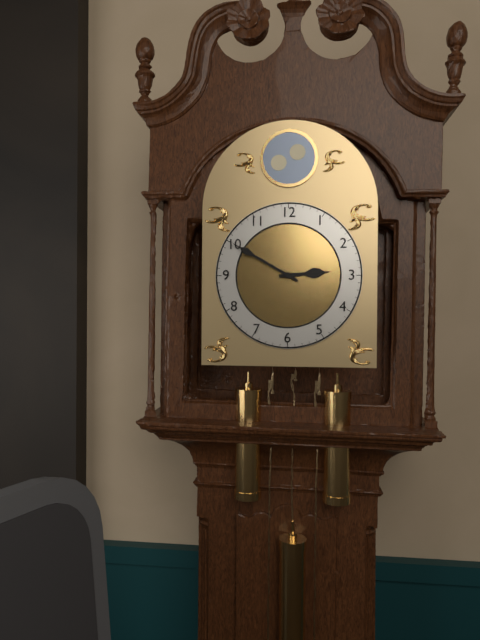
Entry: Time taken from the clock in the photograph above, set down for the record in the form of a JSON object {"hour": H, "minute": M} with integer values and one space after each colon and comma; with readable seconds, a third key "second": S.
{"hour": 2, "minute": 50}
